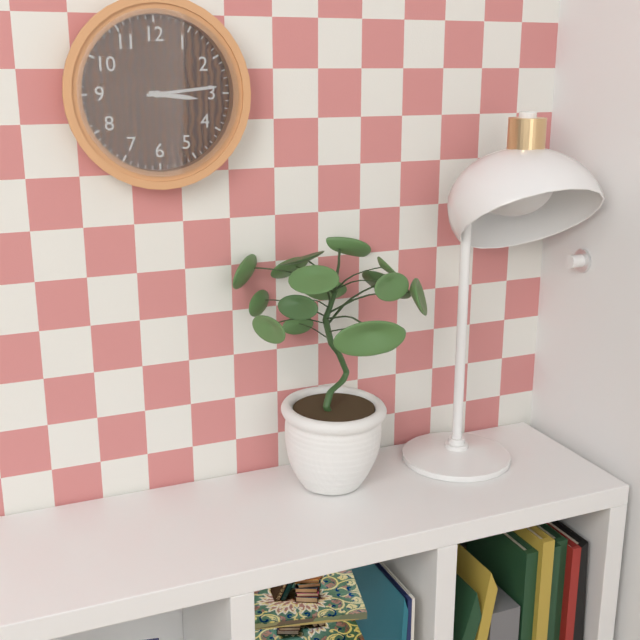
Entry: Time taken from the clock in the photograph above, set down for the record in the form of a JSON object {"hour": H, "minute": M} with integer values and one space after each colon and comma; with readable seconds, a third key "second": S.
{"hour": 3, "minute": 14}
